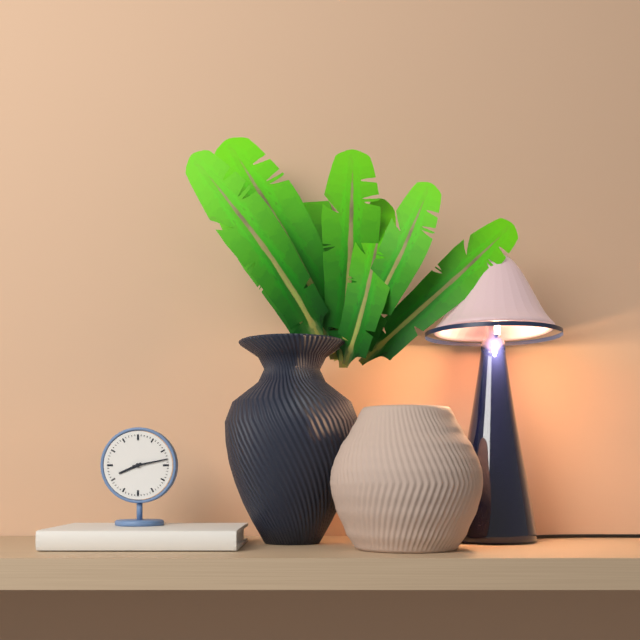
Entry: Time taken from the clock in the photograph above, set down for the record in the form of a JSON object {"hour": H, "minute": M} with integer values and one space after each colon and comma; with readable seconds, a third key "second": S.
{"hour": 8, "minute": 13}
